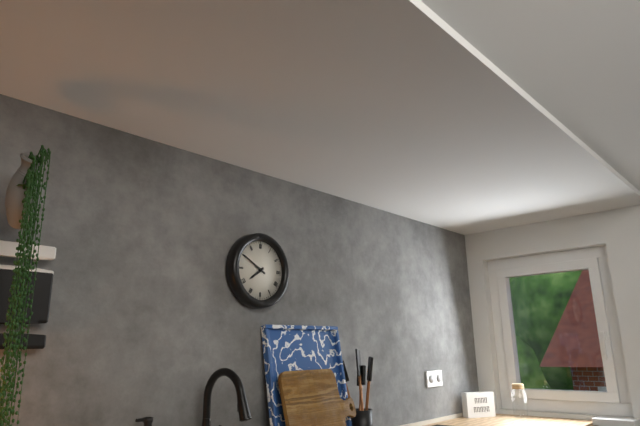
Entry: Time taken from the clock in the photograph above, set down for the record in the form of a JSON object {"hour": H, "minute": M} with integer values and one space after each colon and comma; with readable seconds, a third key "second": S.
{"hour": 7, "minute": 50}
